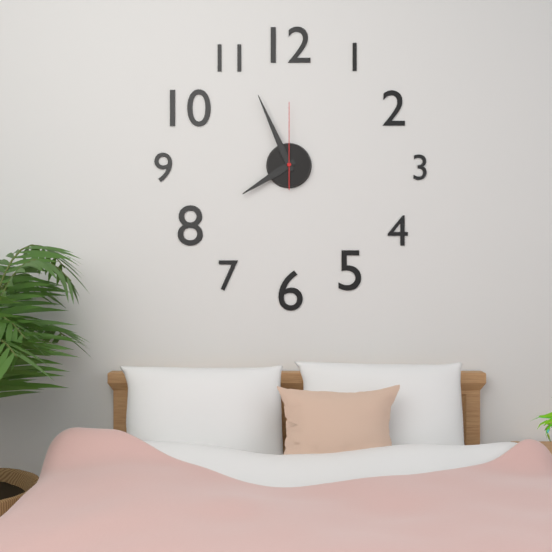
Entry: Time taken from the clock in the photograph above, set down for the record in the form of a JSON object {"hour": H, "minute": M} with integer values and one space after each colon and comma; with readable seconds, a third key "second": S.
{"hour": 7, "minute": 56, "second": 0}
